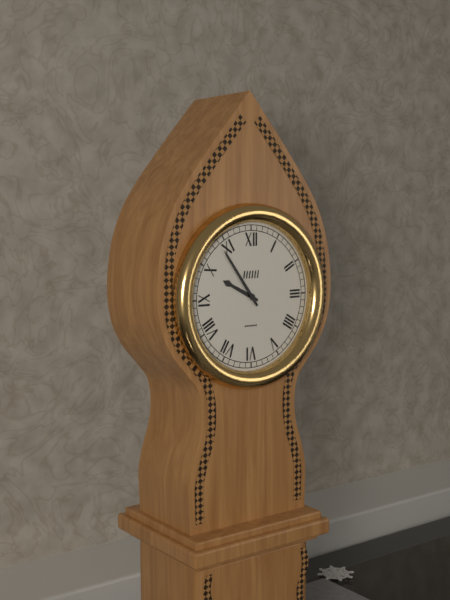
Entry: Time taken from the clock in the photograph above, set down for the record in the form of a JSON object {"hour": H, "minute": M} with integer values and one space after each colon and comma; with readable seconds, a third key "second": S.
{"hour": 9, "minute": 54}
